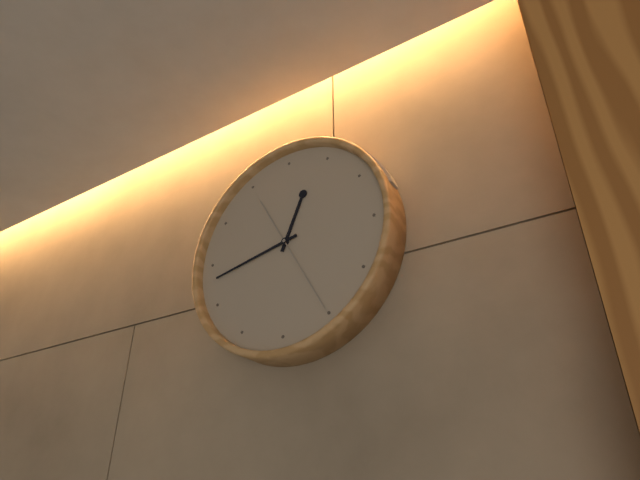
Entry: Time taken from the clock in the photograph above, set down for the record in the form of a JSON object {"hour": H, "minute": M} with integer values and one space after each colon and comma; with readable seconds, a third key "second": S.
{"hour": 12, "minute": 43, "second": 25}
